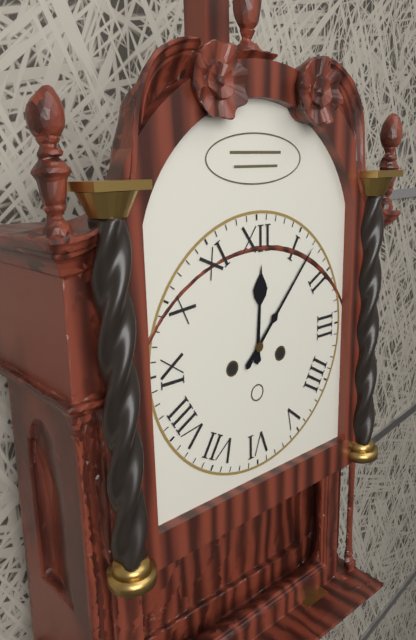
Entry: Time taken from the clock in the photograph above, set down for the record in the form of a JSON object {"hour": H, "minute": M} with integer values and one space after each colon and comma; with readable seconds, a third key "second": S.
{"hour": 12, "minute": 7}
